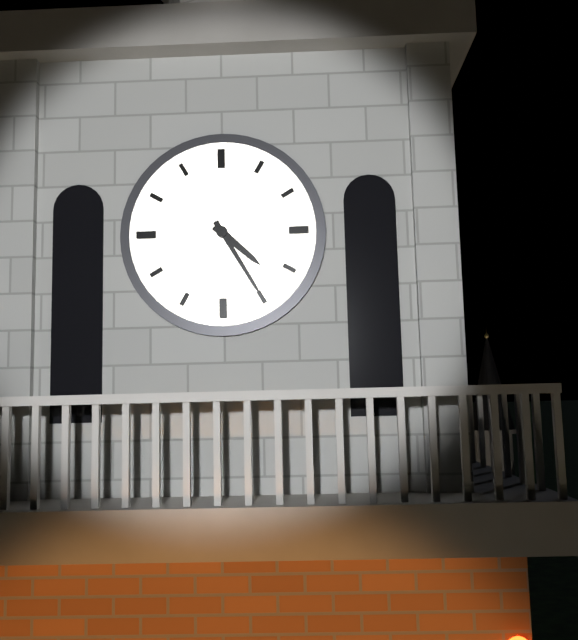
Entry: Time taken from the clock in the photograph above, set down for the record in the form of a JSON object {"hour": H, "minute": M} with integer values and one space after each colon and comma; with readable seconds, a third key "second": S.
{"hour": 4, "minute": 25}
